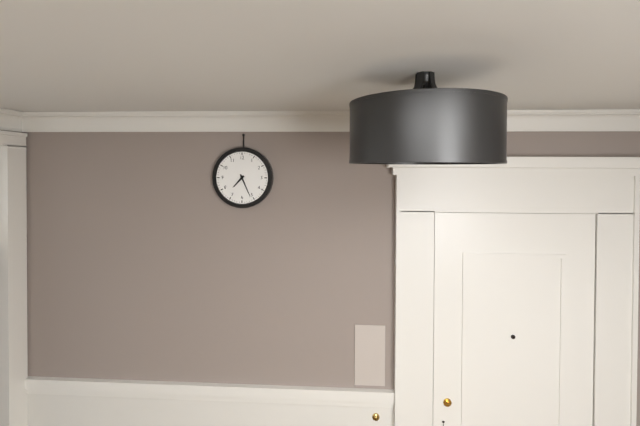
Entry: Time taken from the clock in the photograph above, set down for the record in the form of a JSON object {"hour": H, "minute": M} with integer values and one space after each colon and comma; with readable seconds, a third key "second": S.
{"hour": 7, "minute": 26}
